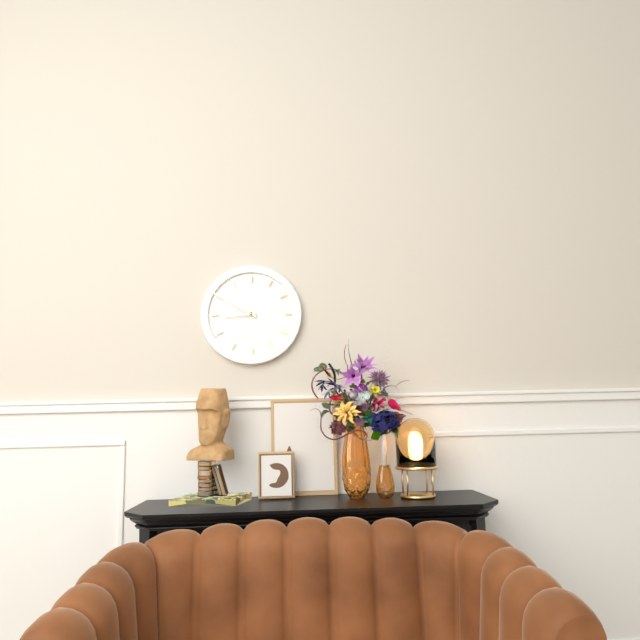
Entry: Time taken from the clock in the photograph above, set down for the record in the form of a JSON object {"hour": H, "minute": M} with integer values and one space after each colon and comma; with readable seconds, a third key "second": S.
{"hour": 8, "minute": 50}
